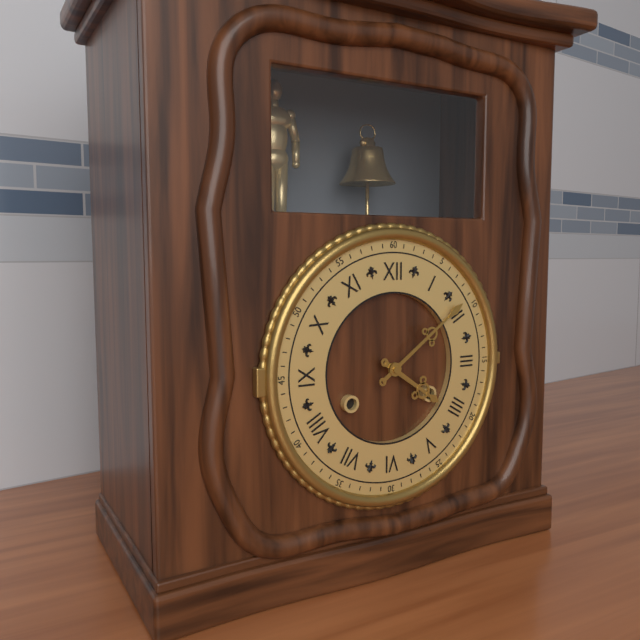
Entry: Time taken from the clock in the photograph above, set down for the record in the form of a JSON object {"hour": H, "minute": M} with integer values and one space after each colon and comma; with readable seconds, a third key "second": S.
{"hour": 4, "minute": 9}
